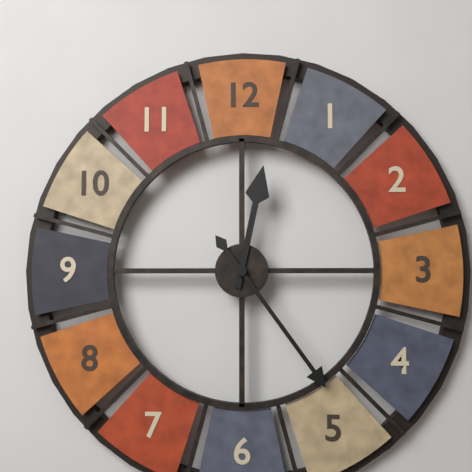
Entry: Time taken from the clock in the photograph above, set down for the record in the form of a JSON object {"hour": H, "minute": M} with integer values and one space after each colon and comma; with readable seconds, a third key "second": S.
{"hour": 12, "minute": 24}
